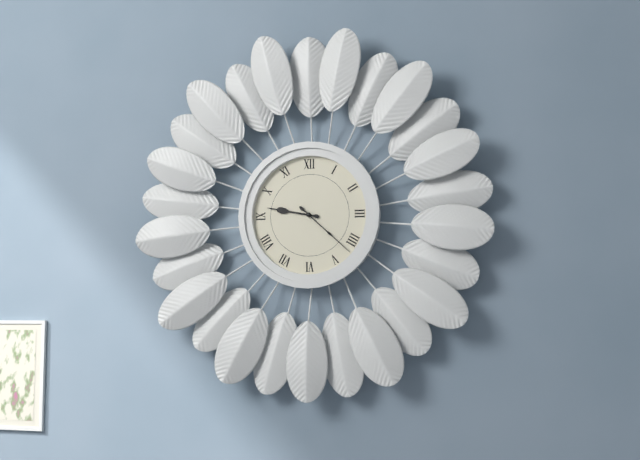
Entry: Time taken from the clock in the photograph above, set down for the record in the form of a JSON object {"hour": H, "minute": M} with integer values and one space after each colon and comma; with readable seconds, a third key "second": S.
{"hour": 9, "minute": 22}
